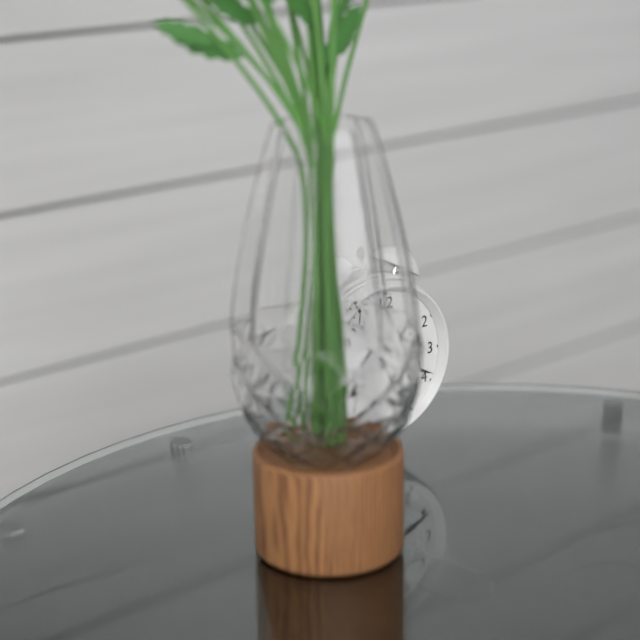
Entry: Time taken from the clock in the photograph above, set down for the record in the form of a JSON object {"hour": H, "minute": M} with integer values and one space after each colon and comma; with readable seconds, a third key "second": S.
{"hour": 8, "minute": 19}
